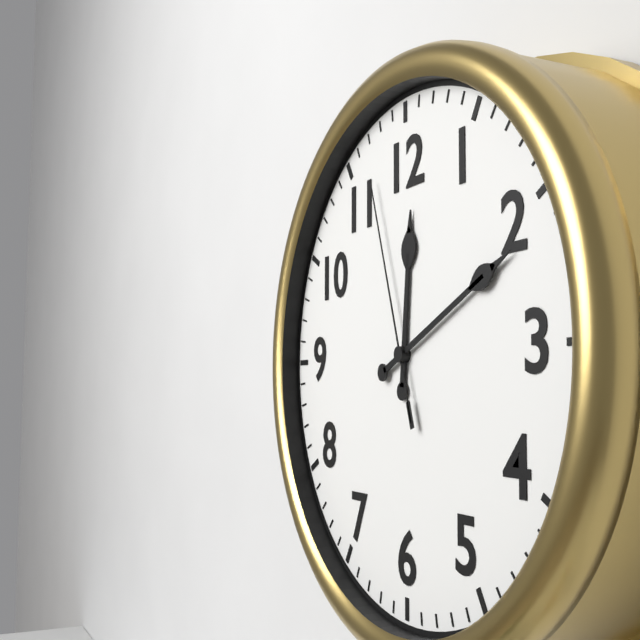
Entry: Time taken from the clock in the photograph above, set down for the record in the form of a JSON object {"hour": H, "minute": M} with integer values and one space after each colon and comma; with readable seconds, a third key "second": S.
{"hour": 12, "minute": 11, "second": 57}
